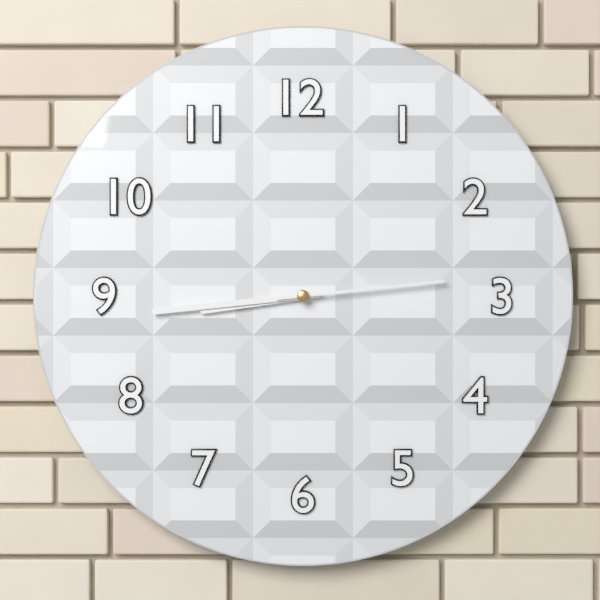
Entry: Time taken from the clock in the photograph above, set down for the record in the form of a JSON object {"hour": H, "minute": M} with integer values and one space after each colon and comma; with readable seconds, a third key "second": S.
{"hour": 8, "minute": 44, "second": 14}
